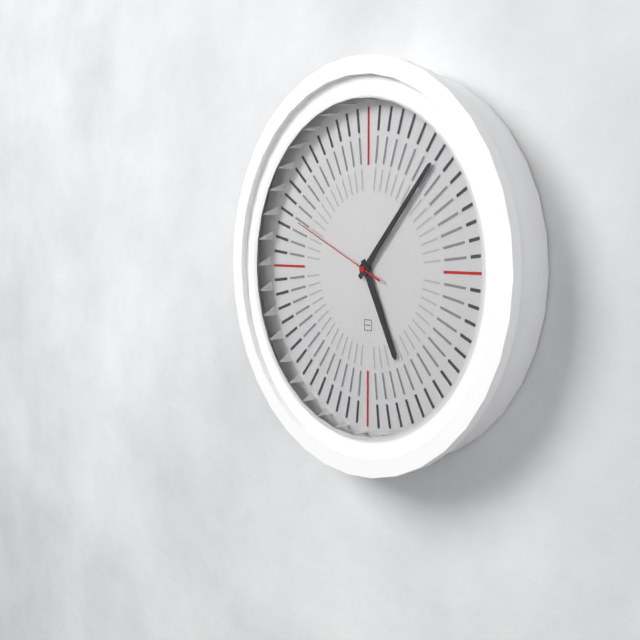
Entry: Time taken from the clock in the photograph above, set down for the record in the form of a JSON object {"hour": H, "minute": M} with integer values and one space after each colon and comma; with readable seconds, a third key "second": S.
{"hour": 5, "minute": 7, "second": 49}
